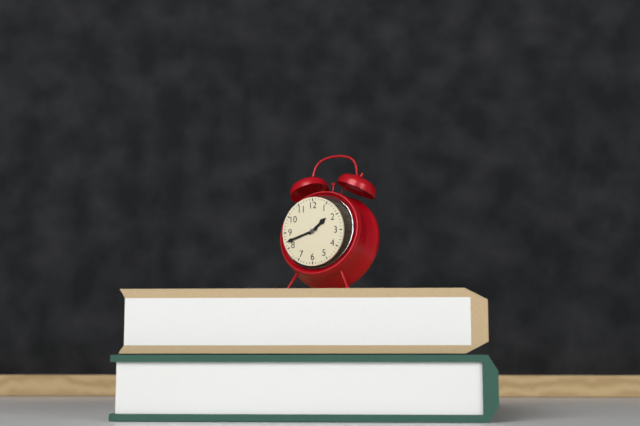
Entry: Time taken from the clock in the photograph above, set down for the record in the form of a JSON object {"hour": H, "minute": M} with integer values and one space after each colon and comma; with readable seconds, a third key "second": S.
{"hour": 1, "minute": 42}
